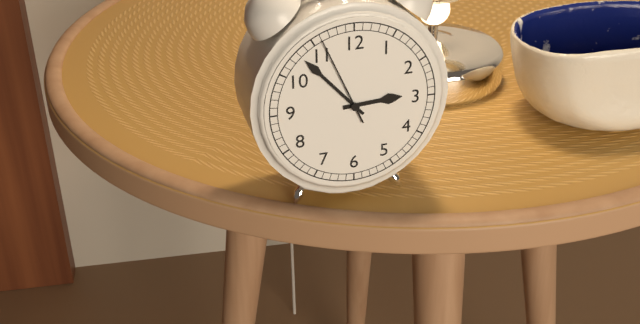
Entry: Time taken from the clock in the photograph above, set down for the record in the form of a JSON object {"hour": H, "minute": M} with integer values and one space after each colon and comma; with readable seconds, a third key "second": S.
{"hour": 2, "minute": 53, "second": 56}
